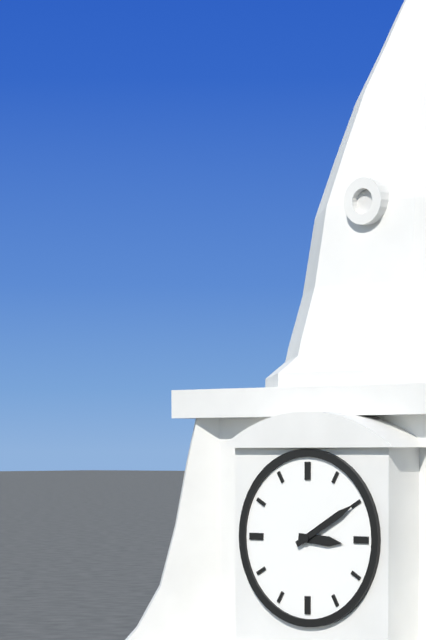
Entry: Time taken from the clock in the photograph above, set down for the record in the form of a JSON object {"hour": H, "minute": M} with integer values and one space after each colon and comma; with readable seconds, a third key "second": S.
{"hour": 3, "minute": 10}
